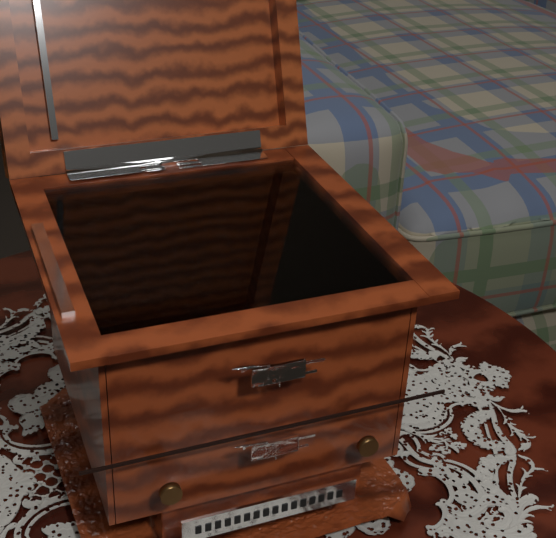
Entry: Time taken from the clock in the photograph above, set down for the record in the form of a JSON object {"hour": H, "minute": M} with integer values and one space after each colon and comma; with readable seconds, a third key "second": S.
{"hour": 9, "minute": 39}
